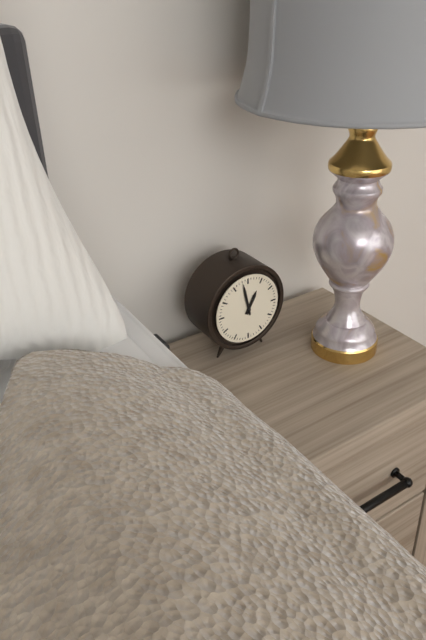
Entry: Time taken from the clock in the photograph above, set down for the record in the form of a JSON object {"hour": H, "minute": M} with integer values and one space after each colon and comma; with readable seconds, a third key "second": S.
{"hour": 12, "minute": 58}
